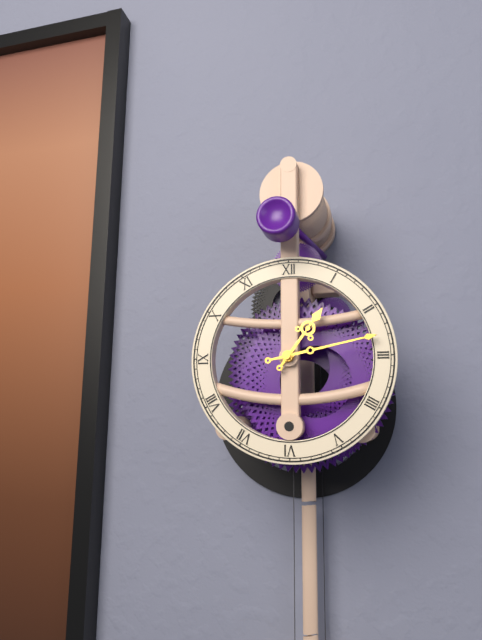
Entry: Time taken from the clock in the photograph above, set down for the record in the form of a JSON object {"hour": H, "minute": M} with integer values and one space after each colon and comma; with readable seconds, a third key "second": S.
{"hour": 1, "minute": 13}
